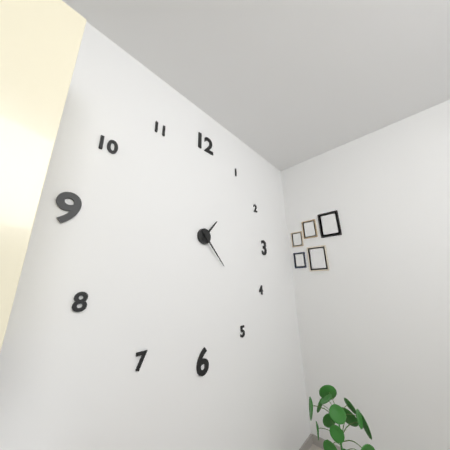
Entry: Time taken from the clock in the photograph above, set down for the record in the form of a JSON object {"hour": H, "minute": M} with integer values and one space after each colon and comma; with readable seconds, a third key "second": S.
{"hour": 1, "minute": 23}
